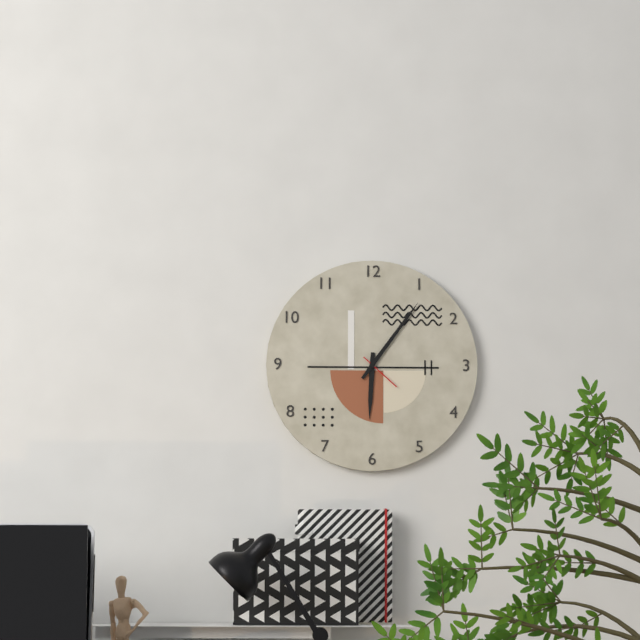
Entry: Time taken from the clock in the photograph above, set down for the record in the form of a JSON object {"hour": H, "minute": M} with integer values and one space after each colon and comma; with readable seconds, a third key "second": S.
{"hour": 6, "minute": 6}
